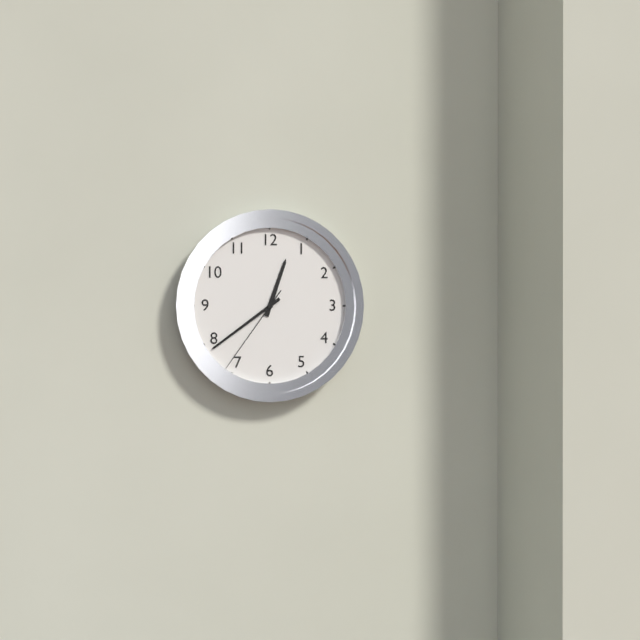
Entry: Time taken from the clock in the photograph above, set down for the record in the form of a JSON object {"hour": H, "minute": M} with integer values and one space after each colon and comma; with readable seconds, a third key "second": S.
{"hour": 12, "minute": 39, "second": 36}
